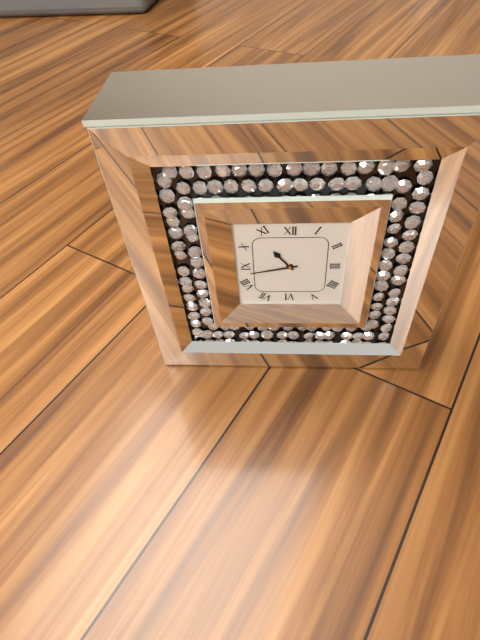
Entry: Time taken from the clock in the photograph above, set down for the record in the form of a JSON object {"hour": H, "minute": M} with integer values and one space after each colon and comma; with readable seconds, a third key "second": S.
{"hour": 10, "minute": 43}
